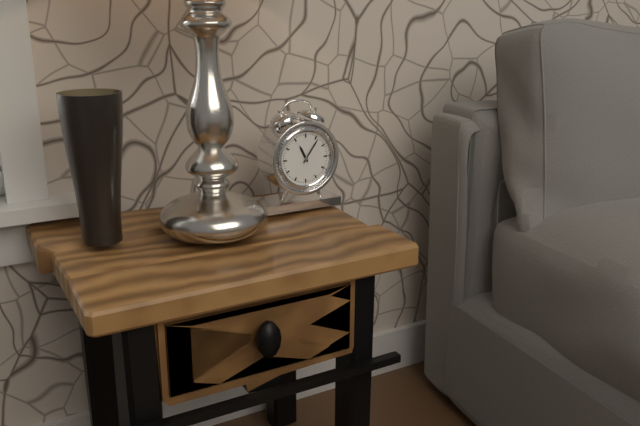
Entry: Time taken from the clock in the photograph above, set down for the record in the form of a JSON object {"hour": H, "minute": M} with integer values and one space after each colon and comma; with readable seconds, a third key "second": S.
{"hour": 11, "minute": 6}
